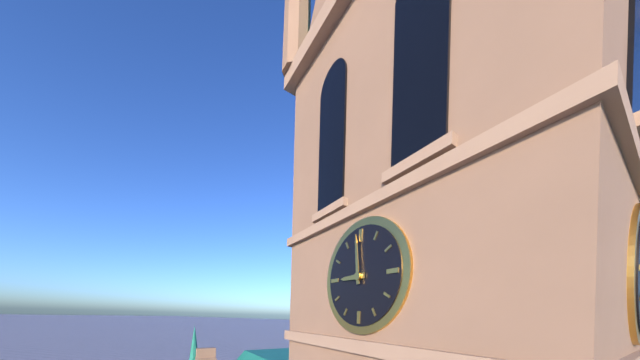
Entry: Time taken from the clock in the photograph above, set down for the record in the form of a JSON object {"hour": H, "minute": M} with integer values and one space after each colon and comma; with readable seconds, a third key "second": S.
{"hour": 8, "minute": 59}
